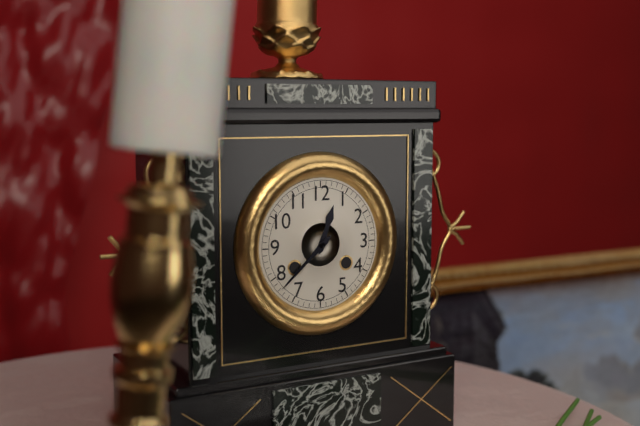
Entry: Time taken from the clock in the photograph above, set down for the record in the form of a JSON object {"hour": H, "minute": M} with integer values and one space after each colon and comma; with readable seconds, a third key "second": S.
{"hour": 12, "minute": 38}
